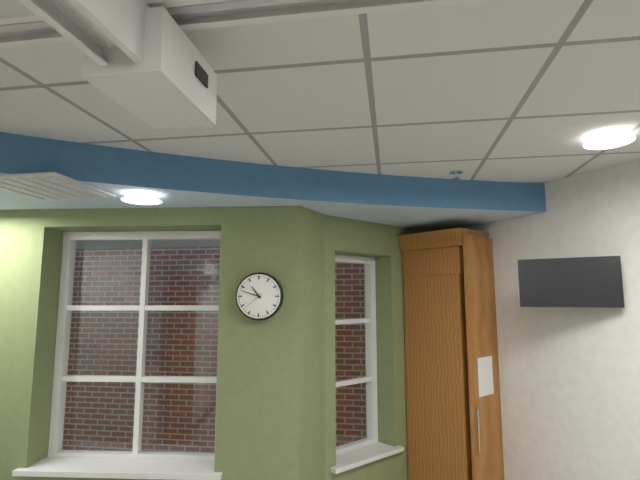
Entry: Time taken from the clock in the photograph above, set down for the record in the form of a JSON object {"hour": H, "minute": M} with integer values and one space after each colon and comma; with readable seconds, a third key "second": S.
{"hour": 10, "minute": 48}
